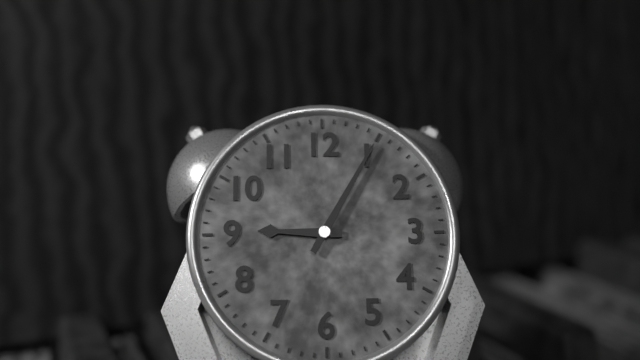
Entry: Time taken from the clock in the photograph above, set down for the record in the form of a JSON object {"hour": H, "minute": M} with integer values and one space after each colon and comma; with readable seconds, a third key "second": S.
{"hour": 9, "minute": 5}
